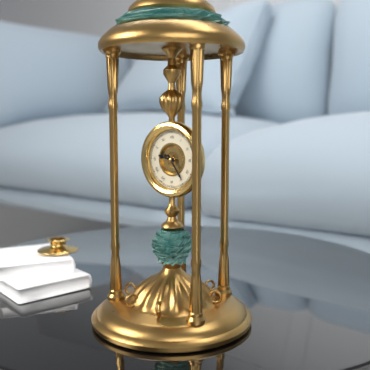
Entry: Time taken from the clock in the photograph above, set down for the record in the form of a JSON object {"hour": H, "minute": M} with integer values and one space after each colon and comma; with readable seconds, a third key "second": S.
{"hour": 9, "minute": 24}
